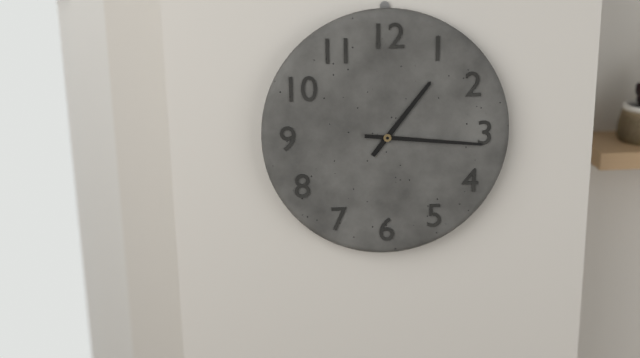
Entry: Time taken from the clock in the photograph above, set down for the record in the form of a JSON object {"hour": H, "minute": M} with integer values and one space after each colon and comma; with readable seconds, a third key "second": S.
{"hour": 1, "minute": 16}
